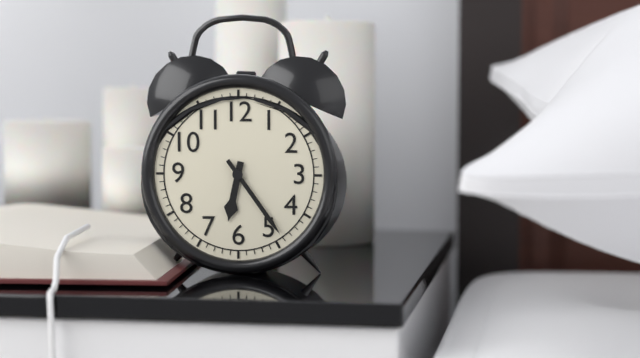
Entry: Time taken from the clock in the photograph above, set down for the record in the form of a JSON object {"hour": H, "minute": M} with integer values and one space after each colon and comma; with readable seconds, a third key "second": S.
{"hour": 6, "minute": 24}
